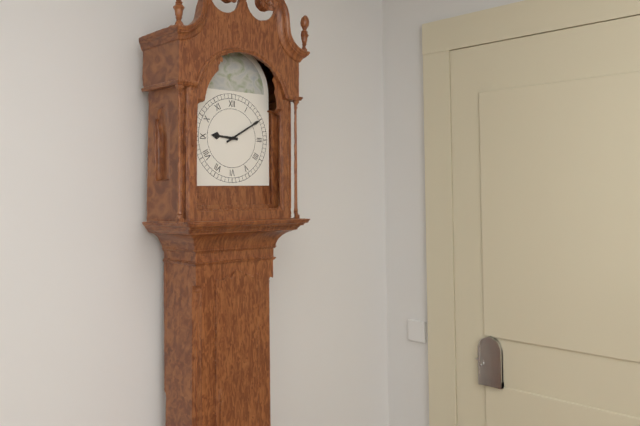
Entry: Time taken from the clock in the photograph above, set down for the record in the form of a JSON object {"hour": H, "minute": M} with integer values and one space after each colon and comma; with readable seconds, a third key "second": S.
{"hour": 9, "minute": 10}
